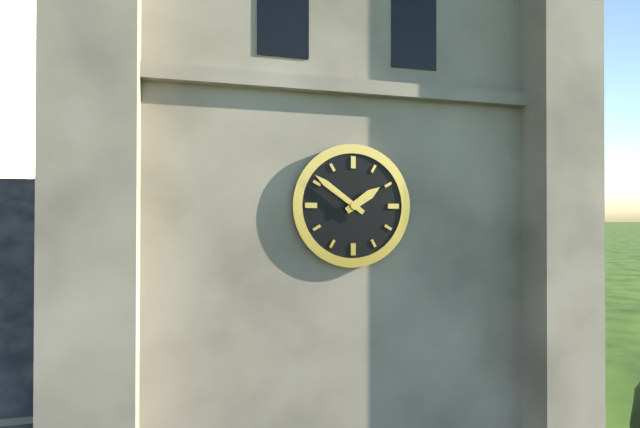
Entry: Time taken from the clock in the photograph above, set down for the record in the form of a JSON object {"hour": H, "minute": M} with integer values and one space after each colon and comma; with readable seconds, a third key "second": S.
{"hour": 1, "minute": 51}
